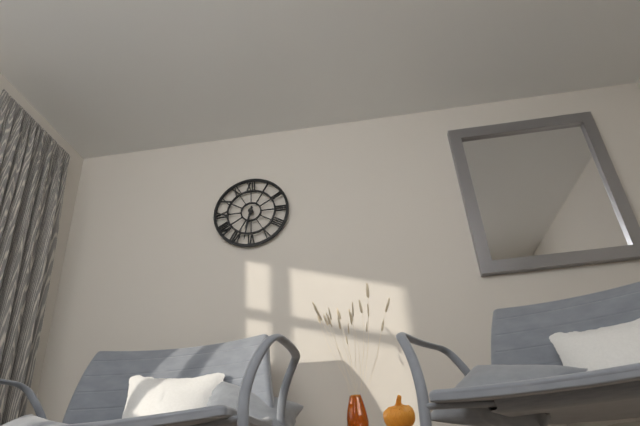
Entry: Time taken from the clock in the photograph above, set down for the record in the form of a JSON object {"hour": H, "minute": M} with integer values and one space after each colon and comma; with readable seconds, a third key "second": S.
{"hour": 6, "minute": 32}
